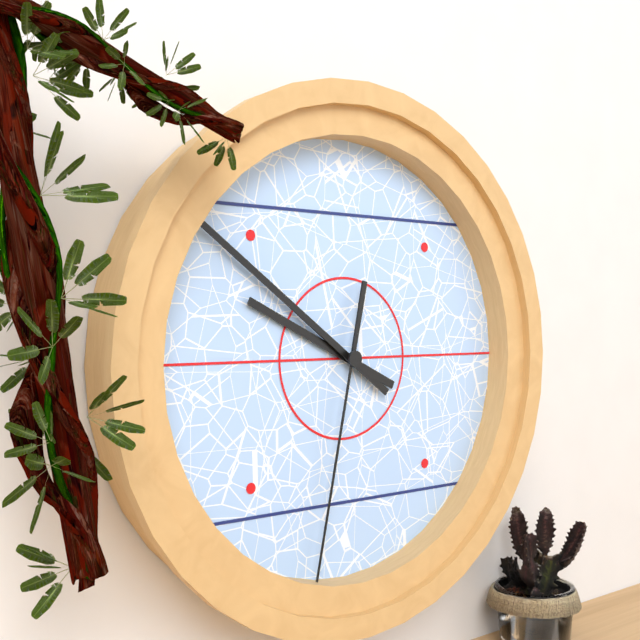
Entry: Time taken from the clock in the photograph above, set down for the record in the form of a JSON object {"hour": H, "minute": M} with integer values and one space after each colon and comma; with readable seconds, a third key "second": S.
{"hour": 9, "minute": 51, "second": 32}
